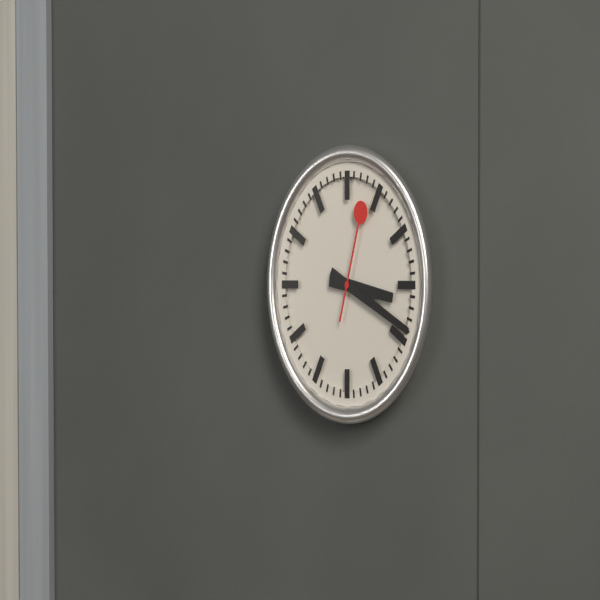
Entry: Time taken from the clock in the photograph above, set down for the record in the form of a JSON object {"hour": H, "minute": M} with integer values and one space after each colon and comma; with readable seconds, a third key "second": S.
{"hour": 3, "minute": 19, "second": 3}
